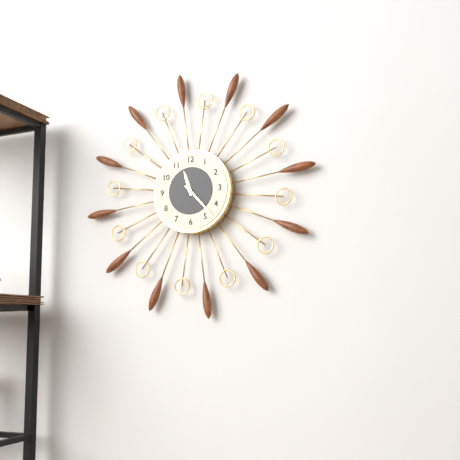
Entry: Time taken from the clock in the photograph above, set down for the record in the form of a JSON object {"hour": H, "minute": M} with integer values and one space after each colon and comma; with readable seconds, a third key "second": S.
{"hour": 11, "minute": 23}
